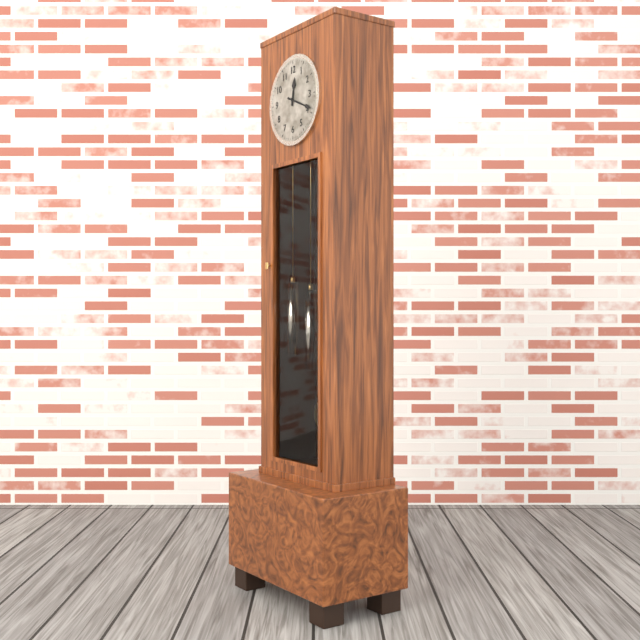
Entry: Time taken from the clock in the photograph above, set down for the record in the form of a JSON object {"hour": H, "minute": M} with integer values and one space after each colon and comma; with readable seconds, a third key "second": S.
{"hour": 12, "minute": 19}
